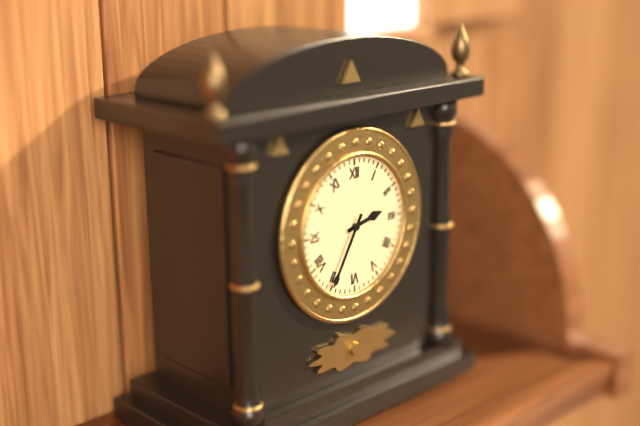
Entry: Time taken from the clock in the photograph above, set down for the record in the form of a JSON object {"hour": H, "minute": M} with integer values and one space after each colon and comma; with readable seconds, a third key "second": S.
{"hour": 2, "minute": 35}
